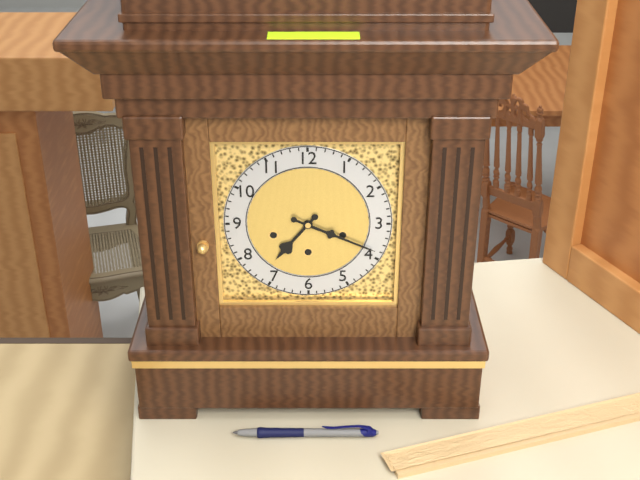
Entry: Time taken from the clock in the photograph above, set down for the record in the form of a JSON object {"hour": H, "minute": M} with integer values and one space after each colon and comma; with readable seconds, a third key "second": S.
{"hour": 7, "minute": 19}
